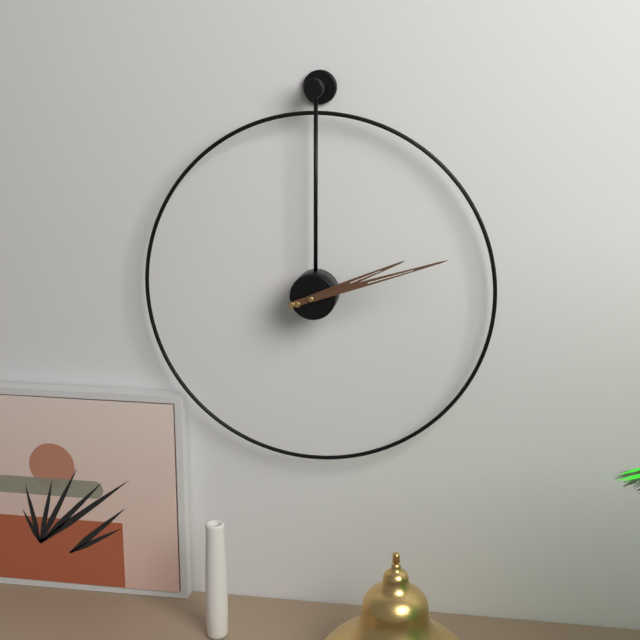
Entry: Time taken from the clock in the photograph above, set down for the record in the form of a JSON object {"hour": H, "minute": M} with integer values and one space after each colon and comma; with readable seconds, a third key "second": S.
{"hour": 2, "minute": 12}
